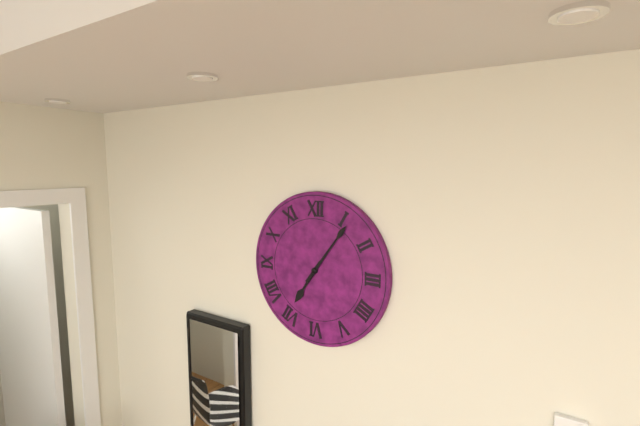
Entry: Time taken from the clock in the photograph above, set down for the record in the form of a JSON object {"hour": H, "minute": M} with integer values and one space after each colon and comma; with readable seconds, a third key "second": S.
{"hour": 7, "minute": 6}
